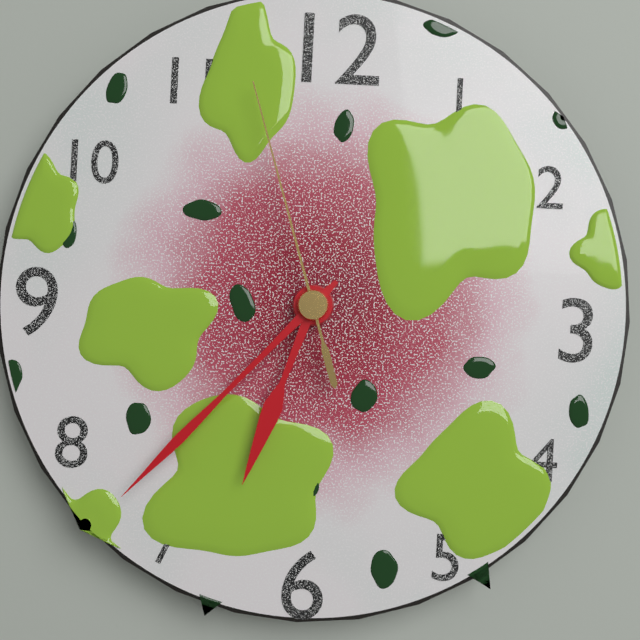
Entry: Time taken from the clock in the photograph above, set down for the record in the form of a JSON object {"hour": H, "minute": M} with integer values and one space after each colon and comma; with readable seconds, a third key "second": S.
{"hour": 6, "minute": 37, "second": 57}
